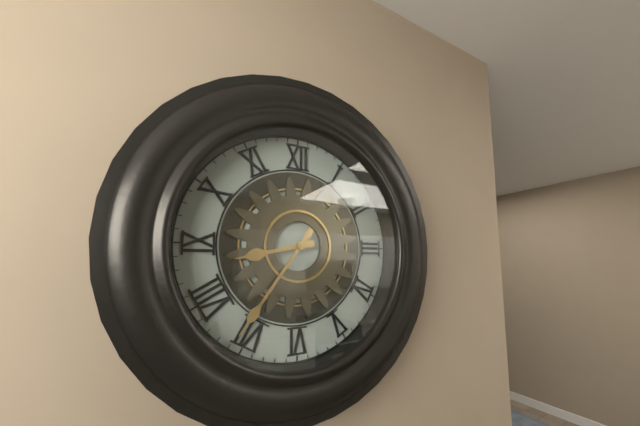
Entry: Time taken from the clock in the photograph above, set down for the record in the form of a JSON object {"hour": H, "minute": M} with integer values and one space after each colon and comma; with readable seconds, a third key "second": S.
{"hour": 8, "minute": 36}
